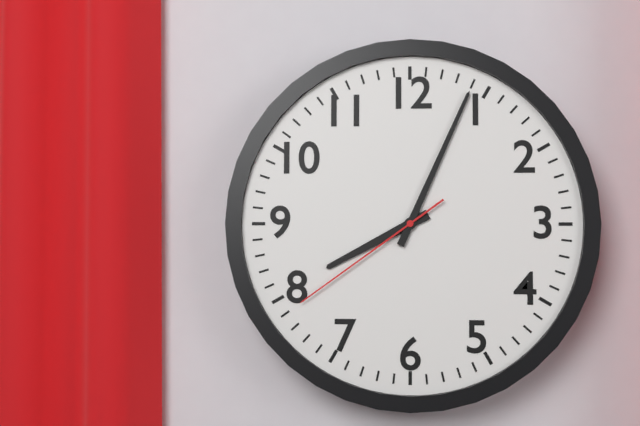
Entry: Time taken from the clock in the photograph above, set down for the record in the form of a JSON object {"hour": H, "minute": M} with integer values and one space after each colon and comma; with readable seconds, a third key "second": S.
{"hour": 8, "minute": 4, "second": 39}
